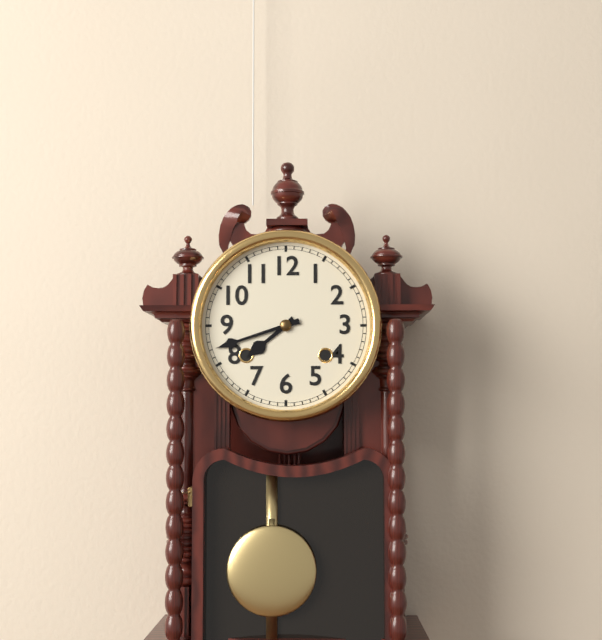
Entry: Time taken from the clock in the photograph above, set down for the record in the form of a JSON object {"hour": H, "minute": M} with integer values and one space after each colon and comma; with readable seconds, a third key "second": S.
{"hour": 7, "minute": 42}
